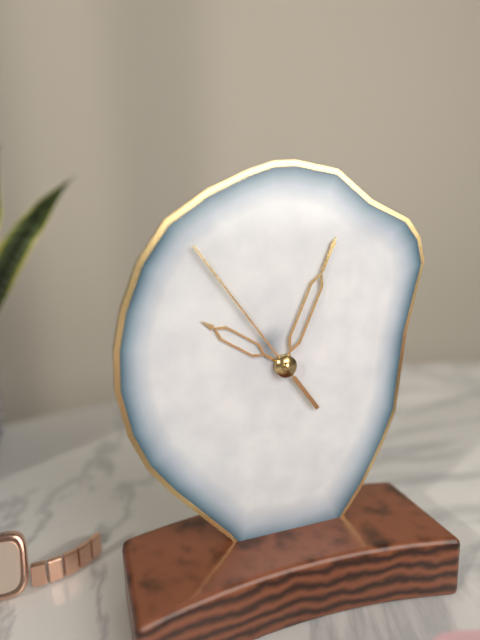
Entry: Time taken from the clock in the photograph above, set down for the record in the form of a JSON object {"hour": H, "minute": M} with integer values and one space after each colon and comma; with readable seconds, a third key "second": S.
{"hour": 10, "minute": 4, "second": 54}
